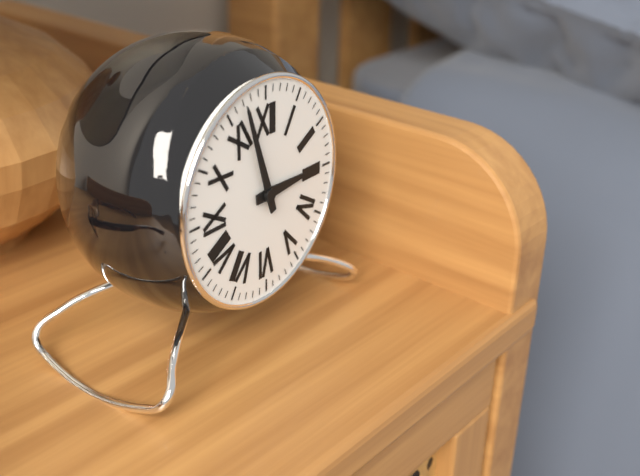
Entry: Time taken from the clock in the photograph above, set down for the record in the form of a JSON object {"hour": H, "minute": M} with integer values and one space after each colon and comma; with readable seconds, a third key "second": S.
{"hour": 2, "minute": 57}
